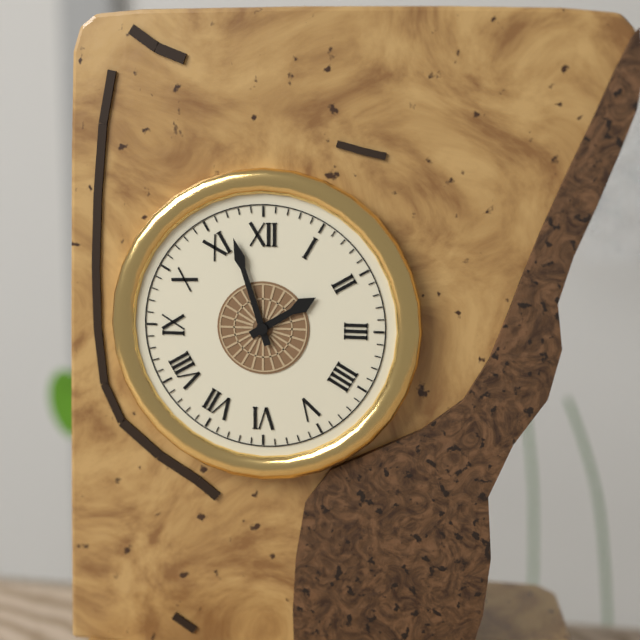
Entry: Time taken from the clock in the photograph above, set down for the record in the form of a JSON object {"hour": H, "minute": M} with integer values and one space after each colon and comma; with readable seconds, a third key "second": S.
{"hour": 1, "minute": 57}
